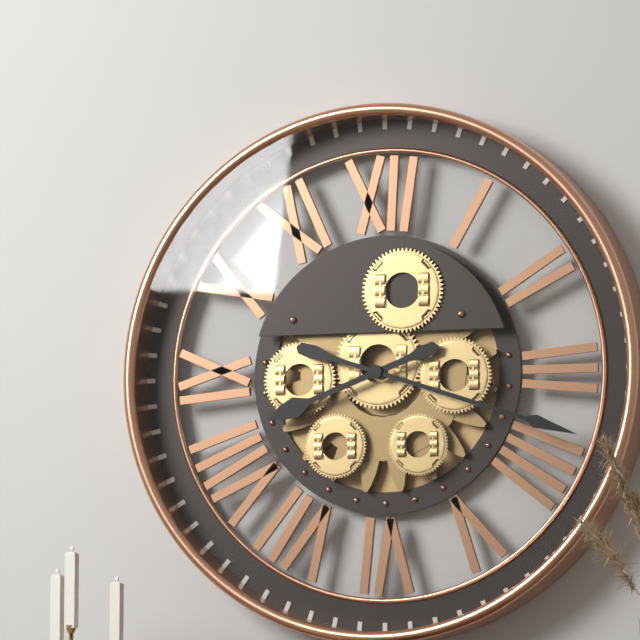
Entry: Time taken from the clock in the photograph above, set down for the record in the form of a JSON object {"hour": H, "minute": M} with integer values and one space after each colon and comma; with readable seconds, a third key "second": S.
{"hour": 8, "minute": 18}
